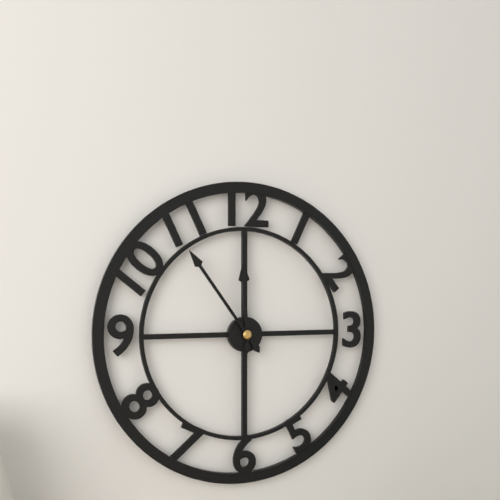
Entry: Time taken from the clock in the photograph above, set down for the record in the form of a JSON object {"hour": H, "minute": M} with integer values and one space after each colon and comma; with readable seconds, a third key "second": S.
{"hour": 11, "minute": 54}
